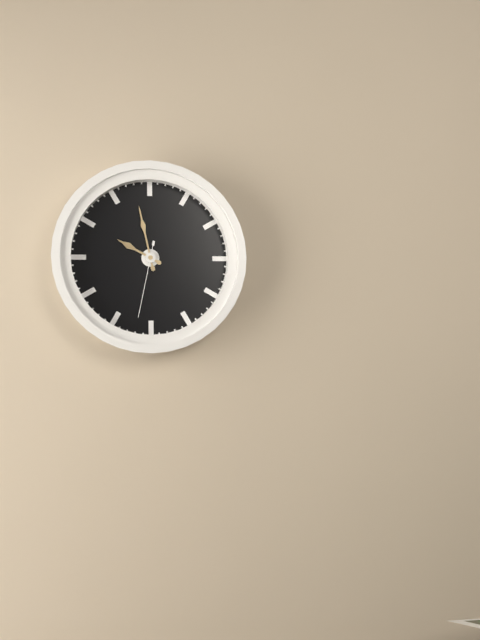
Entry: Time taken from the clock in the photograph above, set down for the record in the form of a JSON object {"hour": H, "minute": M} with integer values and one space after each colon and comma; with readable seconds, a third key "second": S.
{"hour": 9, "minute": 58, "second": 32}
